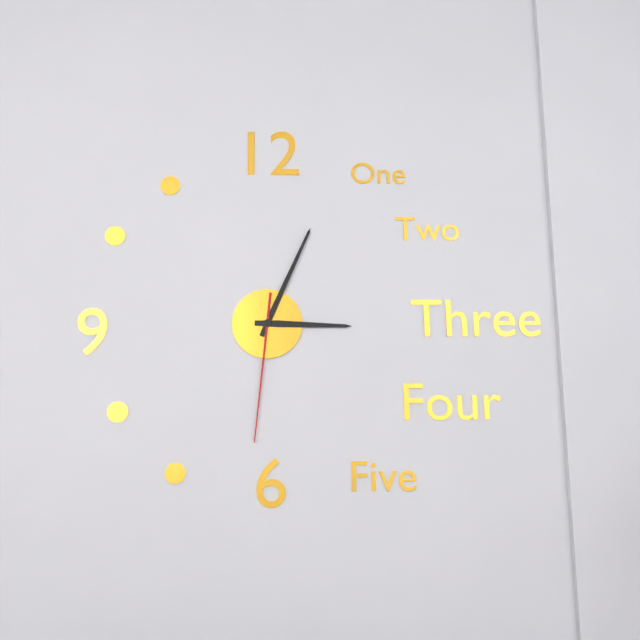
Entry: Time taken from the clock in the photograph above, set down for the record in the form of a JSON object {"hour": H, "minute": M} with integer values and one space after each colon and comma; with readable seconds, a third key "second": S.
{"hour": 3, "minute": 4, "second": 31}
